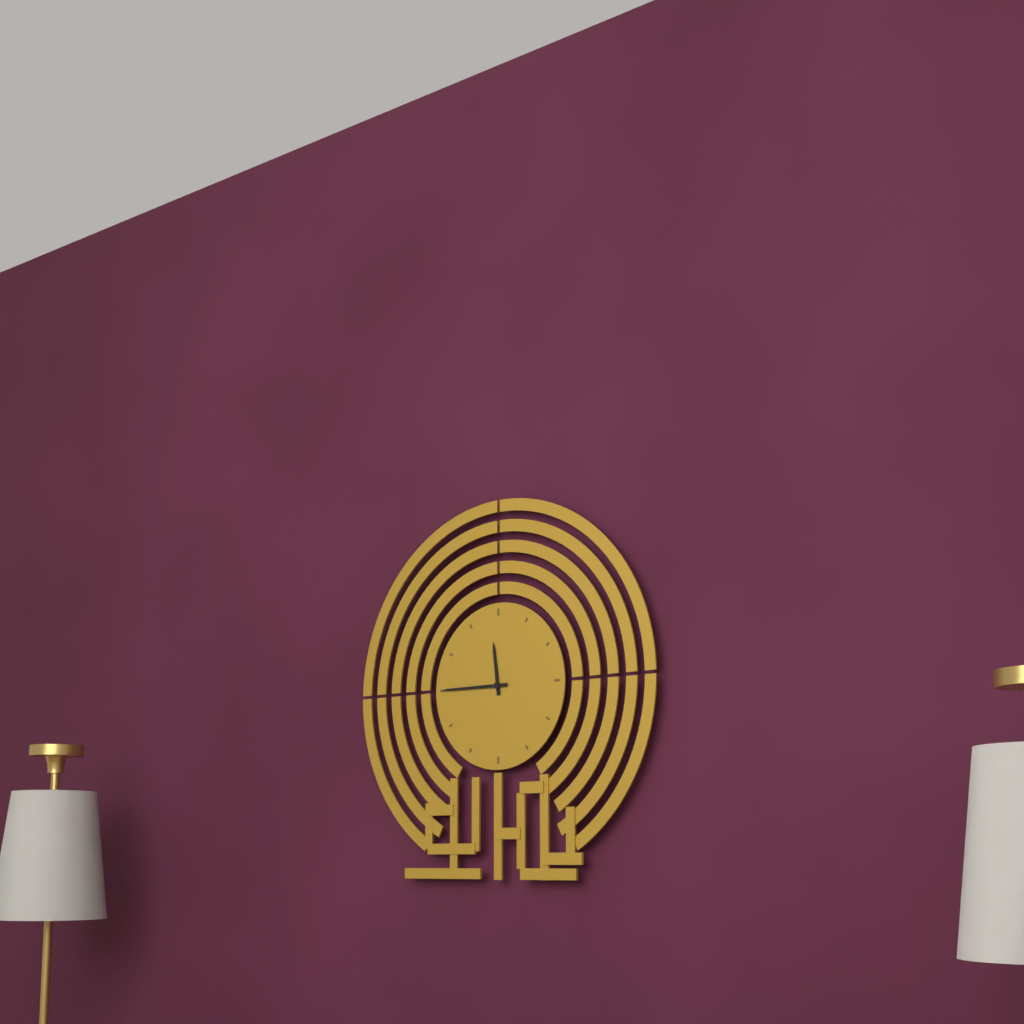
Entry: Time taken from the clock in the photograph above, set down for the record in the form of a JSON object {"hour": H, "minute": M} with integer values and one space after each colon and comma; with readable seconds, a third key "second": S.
{"hour": 11, "minute": 45}
